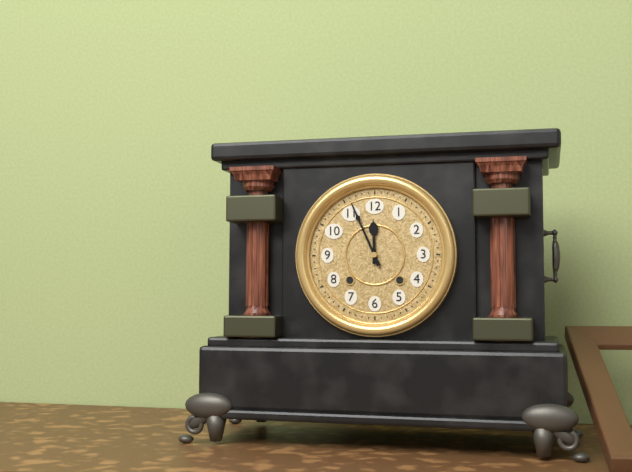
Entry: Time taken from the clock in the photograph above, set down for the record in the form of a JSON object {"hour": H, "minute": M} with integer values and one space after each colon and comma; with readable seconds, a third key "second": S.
{"hour": 11, "minute": 56}
